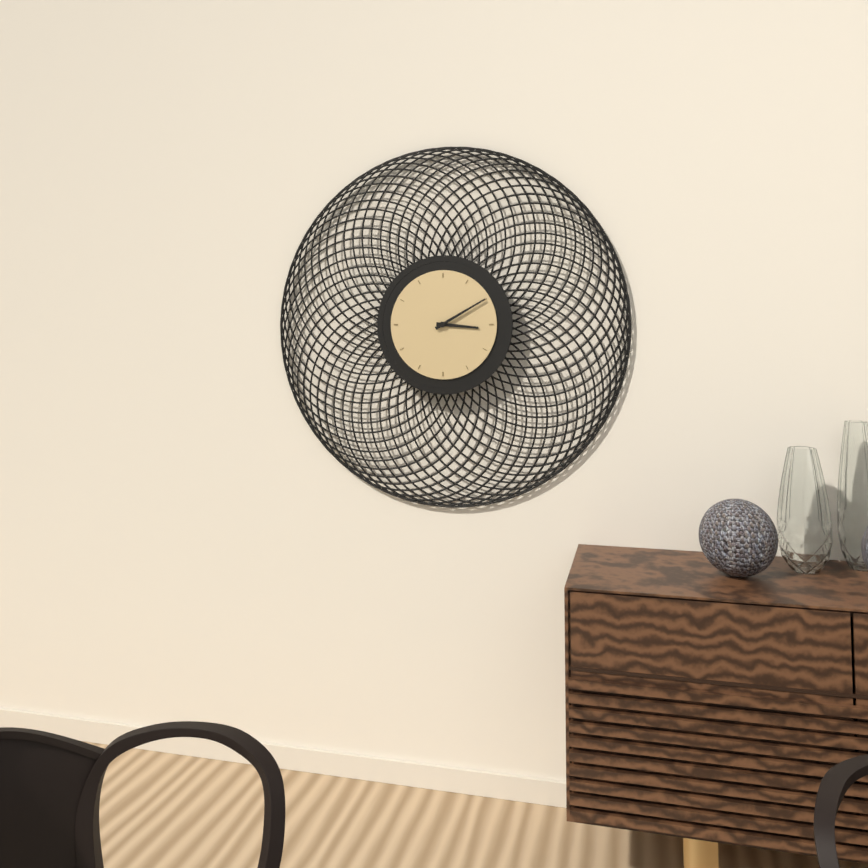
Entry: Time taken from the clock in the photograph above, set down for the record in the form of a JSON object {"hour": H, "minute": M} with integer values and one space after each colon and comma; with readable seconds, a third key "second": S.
{"hour": 3, "minute": 10}
